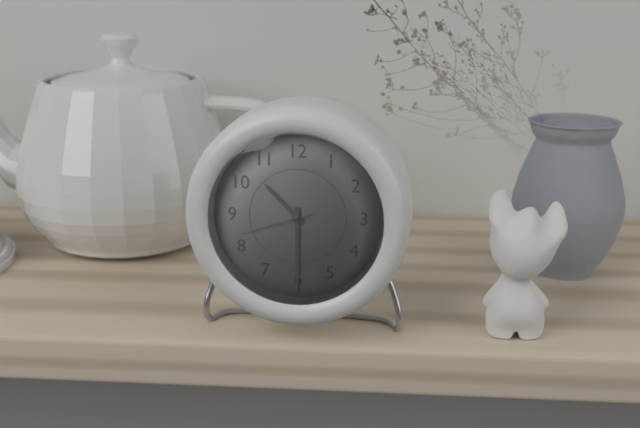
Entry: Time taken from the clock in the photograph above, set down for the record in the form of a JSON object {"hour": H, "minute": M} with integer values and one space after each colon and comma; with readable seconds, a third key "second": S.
{"hour": 10, "minute": 30, "second": 42}
